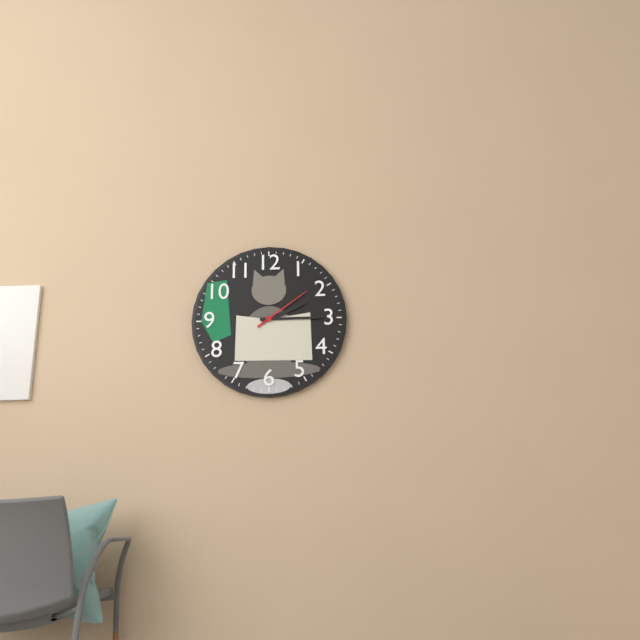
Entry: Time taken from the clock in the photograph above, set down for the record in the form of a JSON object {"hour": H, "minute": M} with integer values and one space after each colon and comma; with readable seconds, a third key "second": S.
{"hour": 2, "minute": 15, "second": 9}
